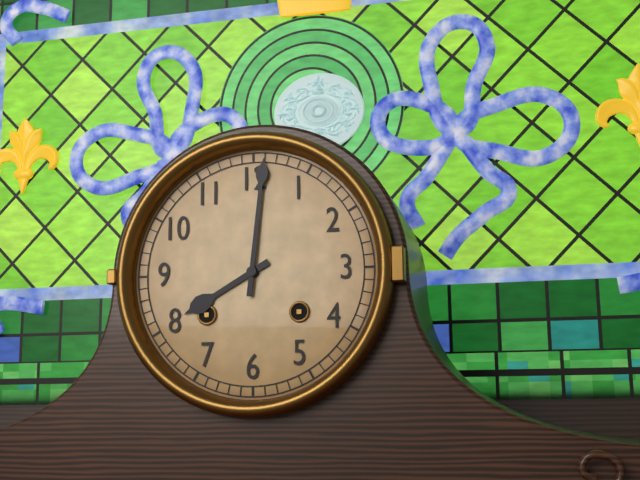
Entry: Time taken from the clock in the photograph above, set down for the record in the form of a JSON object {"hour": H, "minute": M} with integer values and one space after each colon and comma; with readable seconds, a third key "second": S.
{"hour": 8, "minute": 1}
